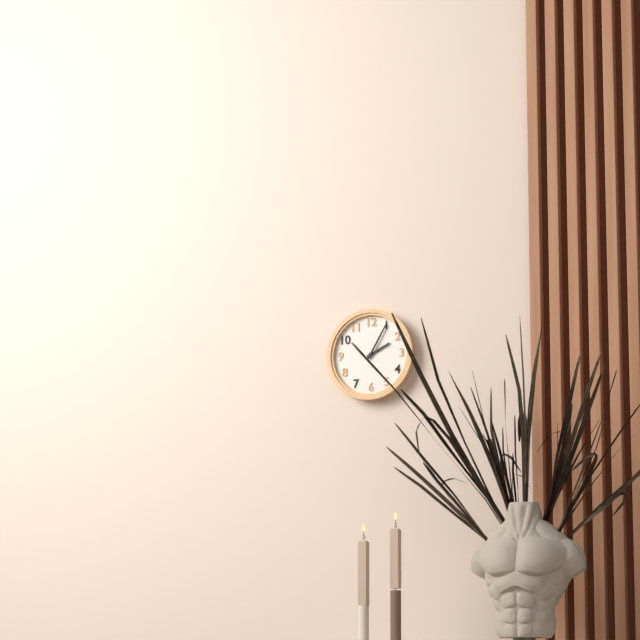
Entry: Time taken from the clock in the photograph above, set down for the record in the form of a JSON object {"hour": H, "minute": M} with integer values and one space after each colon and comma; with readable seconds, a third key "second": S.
{"hour": 2, "minute": 5}
